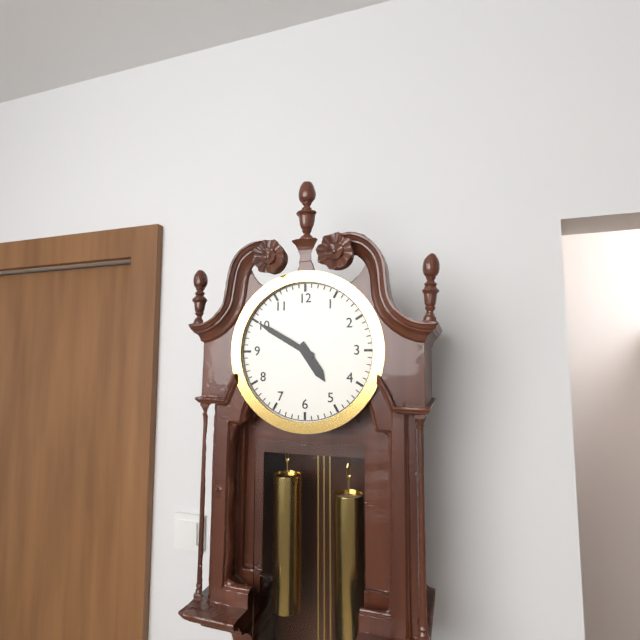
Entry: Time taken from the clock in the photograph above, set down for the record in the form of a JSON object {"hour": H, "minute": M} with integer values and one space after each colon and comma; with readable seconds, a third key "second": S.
{"hour": 4, "minute": 50}
